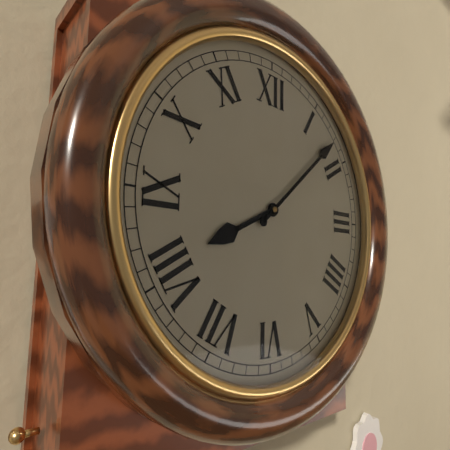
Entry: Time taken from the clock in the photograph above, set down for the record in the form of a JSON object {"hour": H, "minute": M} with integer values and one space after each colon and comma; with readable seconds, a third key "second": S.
{"hour": 8, "minute": 8}
